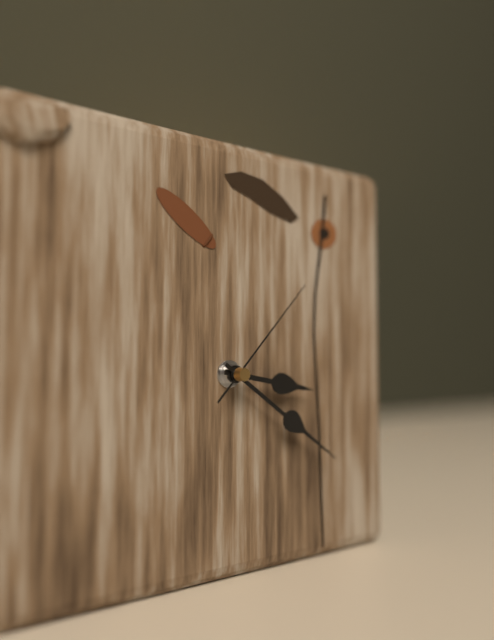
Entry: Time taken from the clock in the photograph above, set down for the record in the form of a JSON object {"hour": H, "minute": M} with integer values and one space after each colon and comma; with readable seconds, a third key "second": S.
{"hour": 3, "minute": 21, "second": 7}
